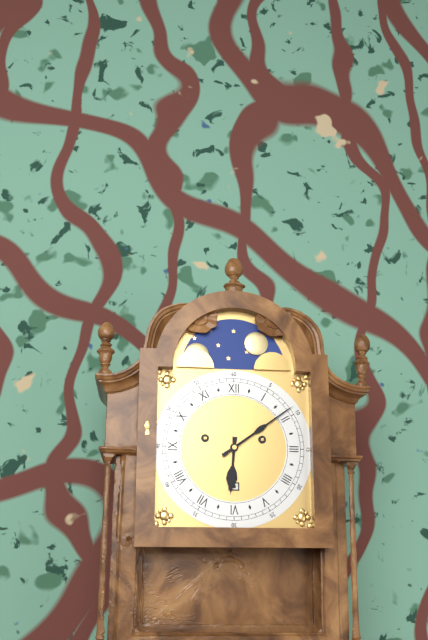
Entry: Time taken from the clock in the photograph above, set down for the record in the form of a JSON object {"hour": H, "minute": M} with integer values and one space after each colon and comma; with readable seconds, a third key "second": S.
{"hour": 6, "minute": 9}
